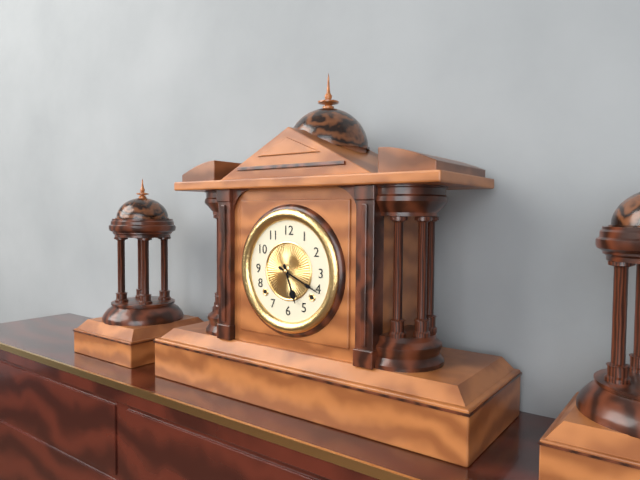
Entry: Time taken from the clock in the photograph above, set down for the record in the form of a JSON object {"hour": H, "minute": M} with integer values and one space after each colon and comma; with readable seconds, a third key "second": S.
{"hour": 5, "minute": 19}
